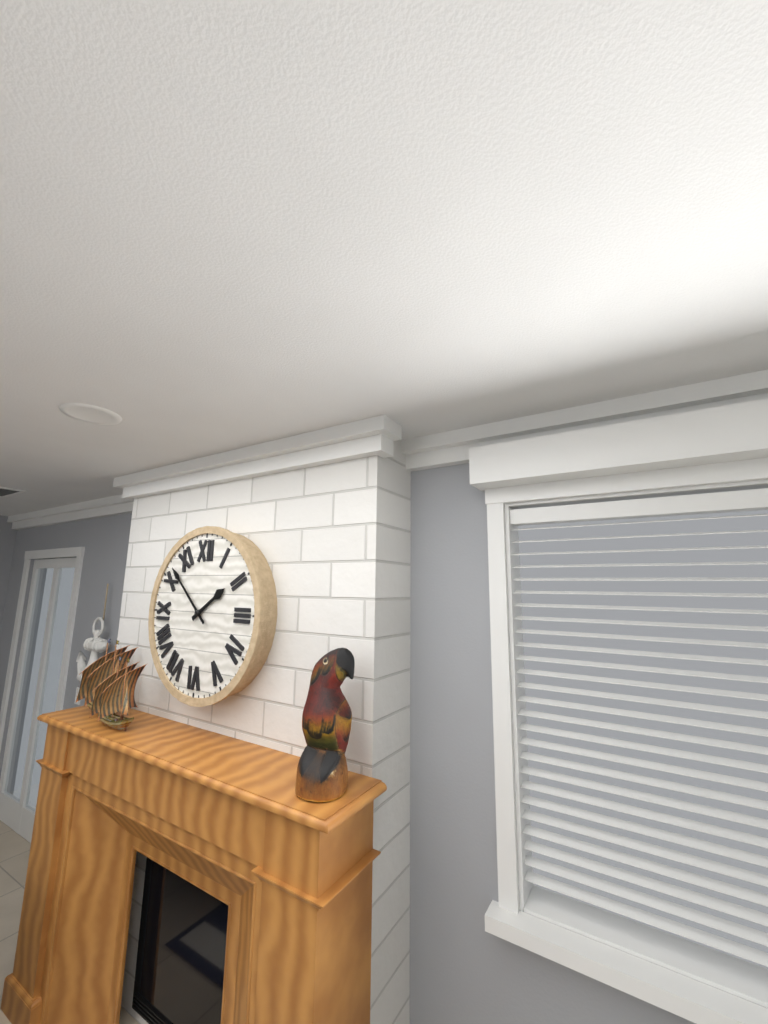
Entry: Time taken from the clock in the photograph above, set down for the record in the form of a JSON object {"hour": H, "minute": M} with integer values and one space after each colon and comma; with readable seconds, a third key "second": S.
{"hour": 1, "minute": 52}
